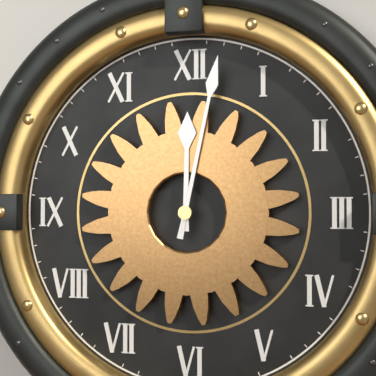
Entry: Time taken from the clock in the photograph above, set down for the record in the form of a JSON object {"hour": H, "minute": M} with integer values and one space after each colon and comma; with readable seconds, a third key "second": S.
{"hour": 12, "minute": 2}
